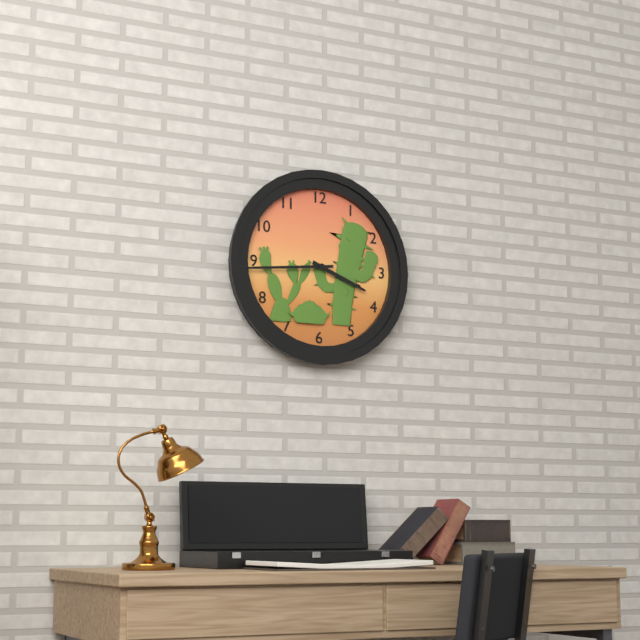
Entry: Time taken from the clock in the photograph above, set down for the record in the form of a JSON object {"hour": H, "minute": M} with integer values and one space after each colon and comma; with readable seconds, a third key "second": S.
{"hour": 3, "minute": 44}
